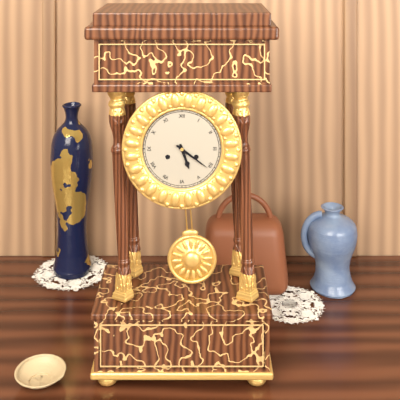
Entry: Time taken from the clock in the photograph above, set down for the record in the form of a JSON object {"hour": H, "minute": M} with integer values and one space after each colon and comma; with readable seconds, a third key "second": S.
{"hour": 5, "minute": 21}
